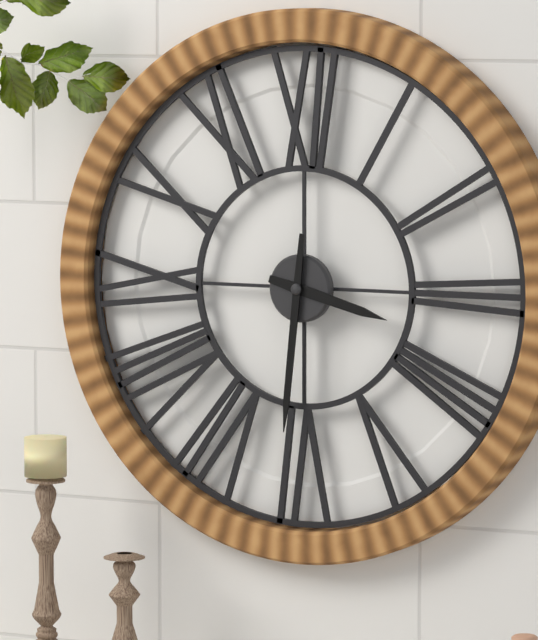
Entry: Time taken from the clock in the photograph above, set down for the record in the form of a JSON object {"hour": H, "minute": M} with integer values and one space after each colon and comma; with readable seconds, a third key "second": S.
{"hour": 3, "minute": 31}
